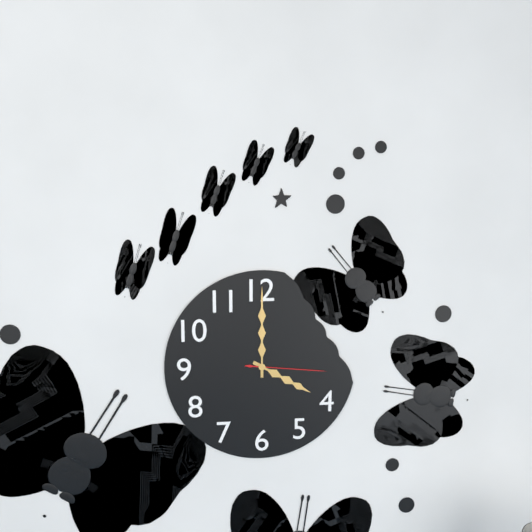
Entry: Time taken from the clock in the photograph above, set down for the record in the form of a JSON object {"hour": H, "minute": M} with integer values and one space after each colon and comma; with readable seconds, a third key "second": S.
{"hour": 4, "minute": 0, "second": 16}
